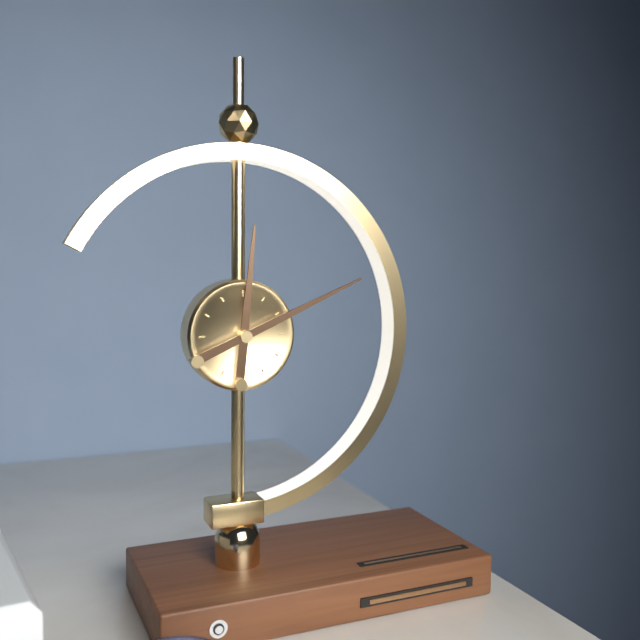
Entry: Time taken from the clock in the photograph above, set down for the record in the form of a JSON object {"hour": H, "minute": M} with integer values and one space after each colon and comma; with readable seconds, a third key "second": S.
{"hour": 12, "minute": 11}
